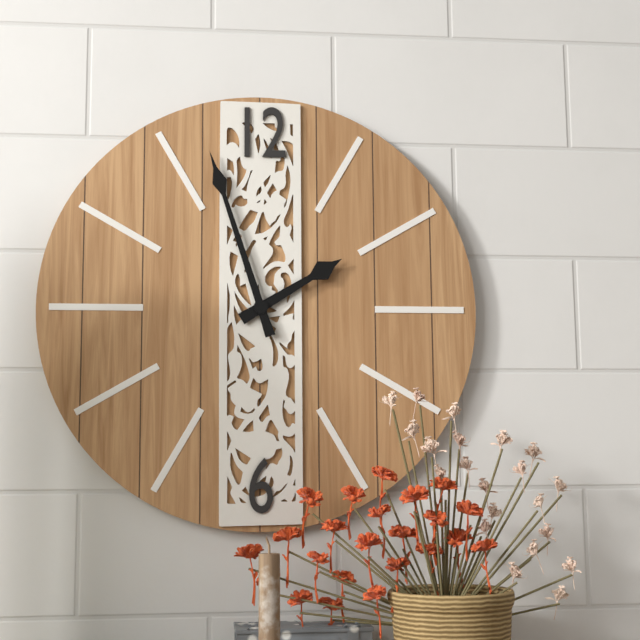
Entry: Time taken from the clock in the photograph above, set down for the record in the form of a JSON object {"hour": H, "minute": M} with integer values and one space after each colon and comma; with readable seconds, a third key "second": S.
{"hour": 1, "minute": 57}
